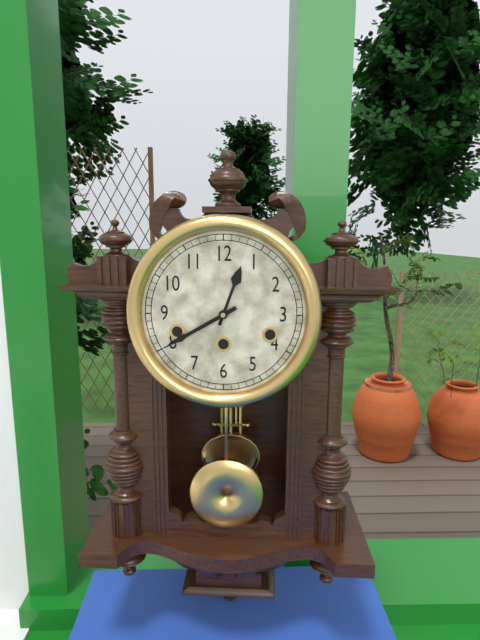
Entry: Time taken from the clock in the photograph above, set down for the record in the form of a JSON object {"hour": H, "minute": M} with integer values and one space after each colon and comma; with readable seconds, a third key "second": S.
{"hour": 12, "minute": 40}
